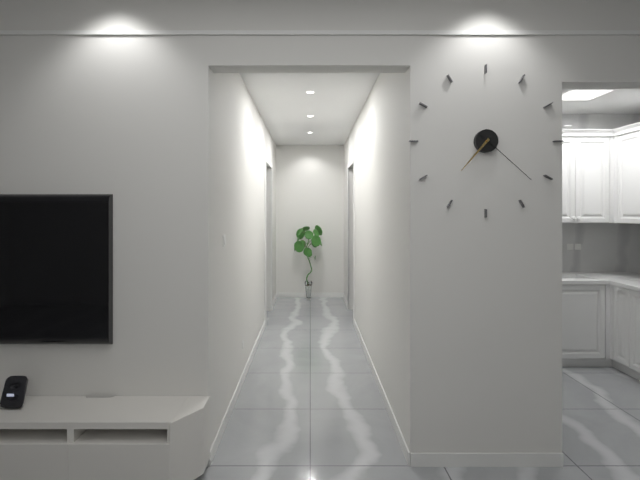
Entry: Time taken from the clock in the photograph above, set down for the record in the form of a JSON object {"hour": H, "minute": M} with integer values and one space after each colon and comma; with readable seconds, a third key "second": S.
{"hour": 7, "minute": 22}
